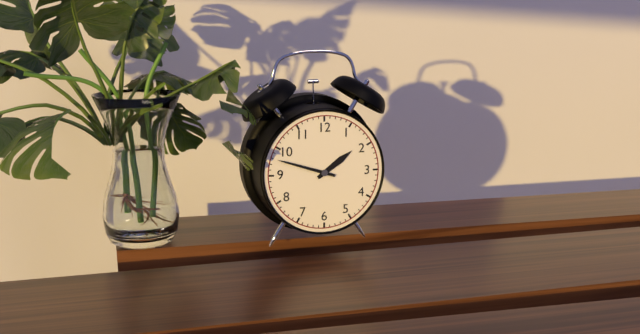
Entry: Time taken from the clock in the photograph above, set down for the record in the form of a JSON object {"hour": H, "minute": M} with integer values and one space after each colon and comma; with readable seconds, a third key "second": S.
{"hour": 1, "minute": 48}
